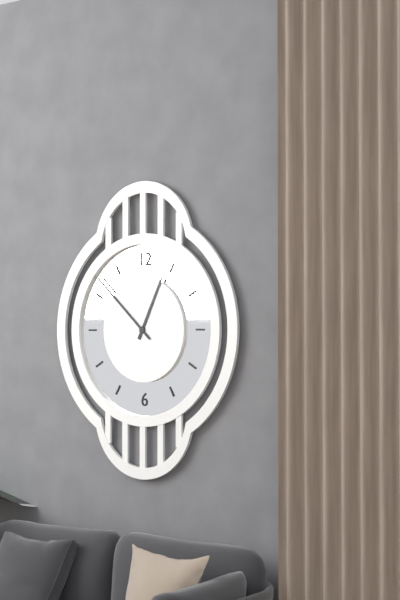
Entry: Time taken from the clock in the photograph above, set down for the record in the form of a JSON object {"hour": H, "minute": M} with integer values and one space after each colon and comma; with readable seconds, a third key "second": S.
{"hour": 12, "minute": 52}
